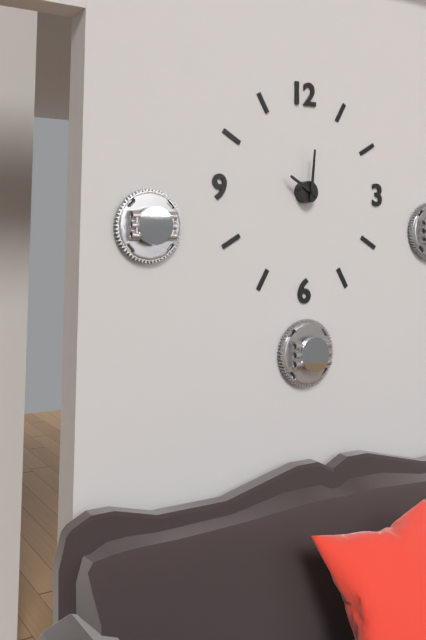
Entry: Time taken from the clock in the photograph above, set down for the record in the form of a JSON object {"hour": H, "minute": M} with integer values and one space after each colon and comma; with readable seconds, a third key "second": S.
{"hour": 10, "minute": 1}
